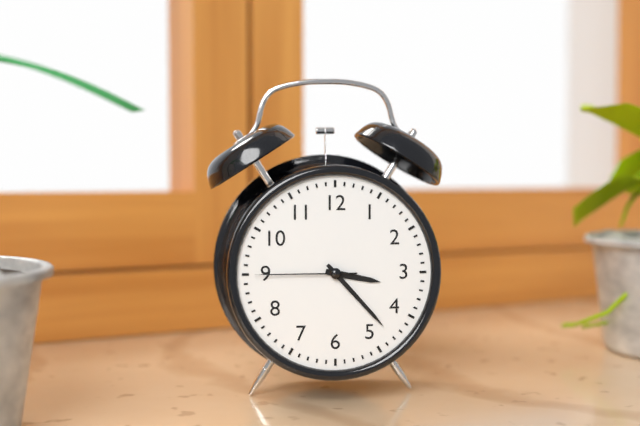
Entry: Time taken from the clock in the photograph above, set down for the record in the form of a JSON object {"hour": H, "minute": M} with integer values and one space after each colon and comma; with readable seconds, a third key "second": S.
{"hour": 3, "minute": 23, "second": 45}
